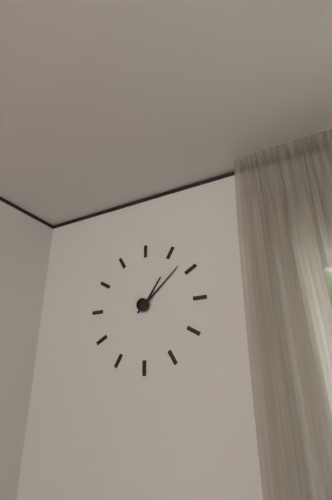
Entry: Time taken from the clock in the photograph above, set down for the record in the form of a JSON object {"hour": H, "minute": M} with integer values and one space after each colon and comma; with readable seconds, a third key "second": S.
{"hour": 1, "minute": 8}
